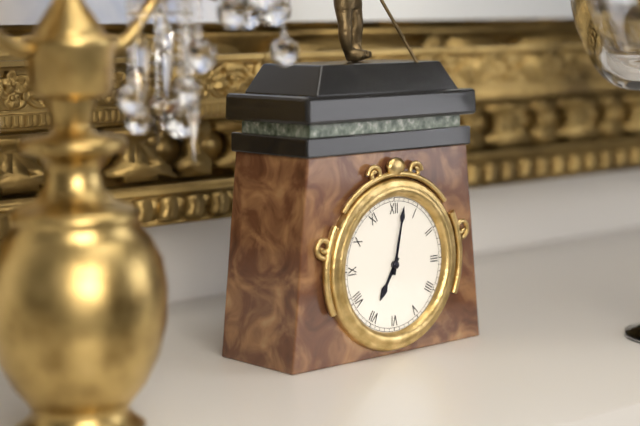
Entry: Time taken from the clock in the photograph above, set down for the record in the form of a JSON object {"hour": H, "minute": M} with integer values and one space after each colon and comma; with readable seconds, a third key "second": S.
{"hour": 7, "minute": 2}
